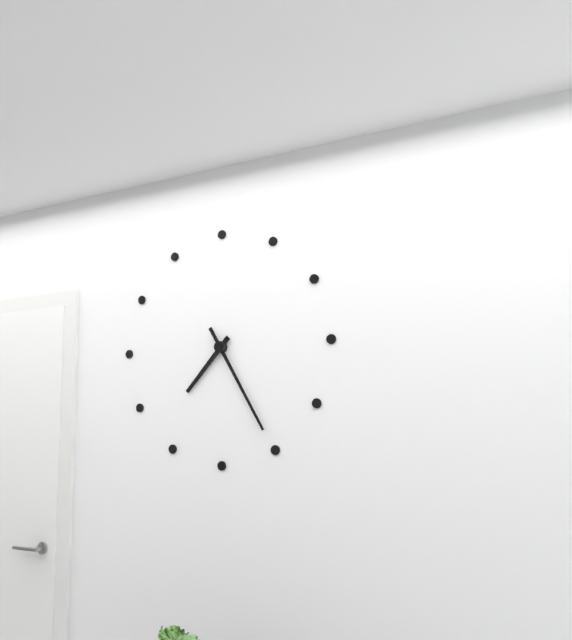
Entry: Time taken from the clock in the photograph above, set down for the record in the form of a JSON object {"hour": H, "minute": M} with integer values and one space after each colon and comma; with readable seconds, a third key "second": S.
{"hour": 7, "minute": 25}
